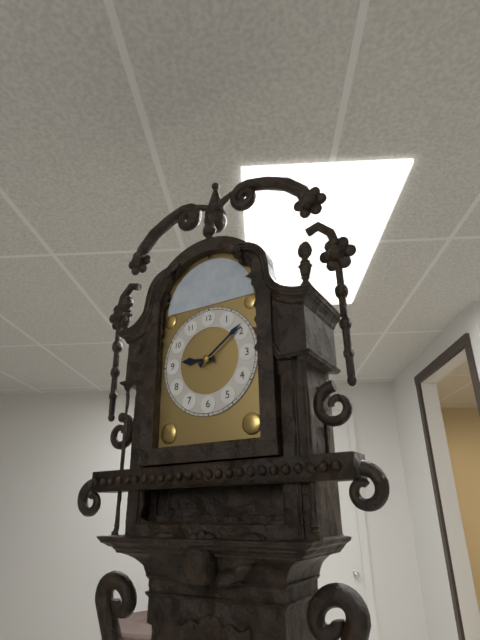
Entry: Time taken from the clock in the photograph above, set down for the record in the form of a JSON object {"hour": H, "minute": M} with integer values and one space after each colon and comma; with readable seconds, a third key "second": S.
{"hour": 9, "minute": 9}
